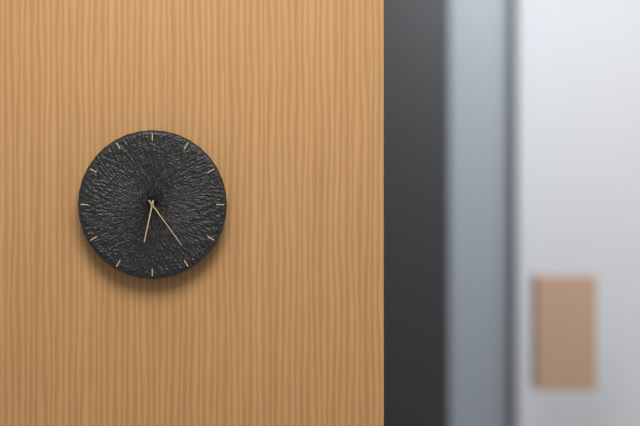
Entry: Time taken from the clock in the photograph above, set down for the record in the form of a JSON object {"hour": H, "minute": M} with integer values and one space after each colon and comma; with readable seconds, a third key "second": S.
{"hour": 6, "minute": 24}
